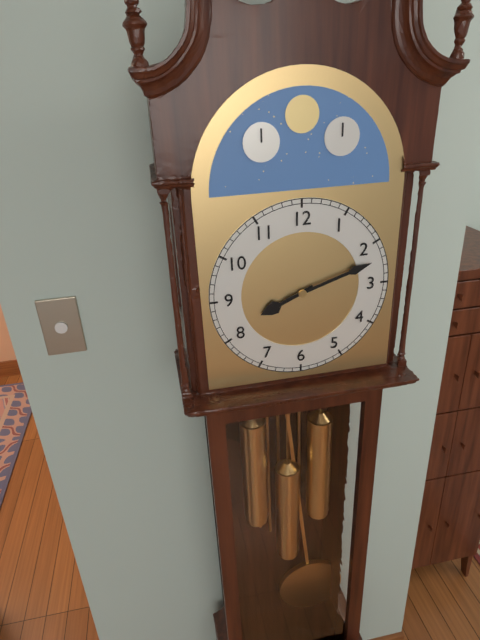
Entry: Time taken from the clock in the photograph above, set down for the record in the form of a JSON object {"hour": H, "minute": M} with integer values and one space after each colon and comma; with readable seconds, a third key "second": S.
{"hour": 8, "minute": 12}
